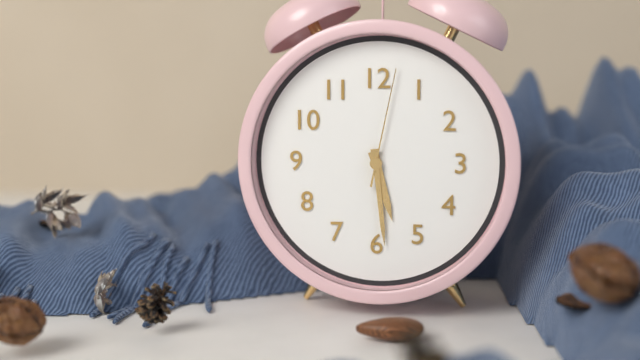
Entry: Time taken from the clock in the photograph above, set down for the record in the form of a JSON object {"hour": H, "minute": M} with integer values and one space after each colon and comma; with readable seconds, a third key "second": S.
{"hour": 5, "minute": 29, "second": 2}
